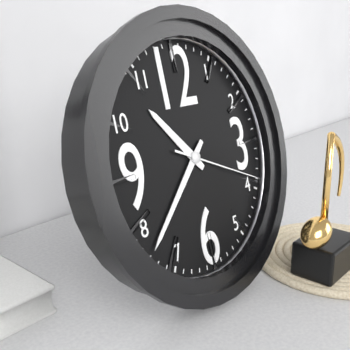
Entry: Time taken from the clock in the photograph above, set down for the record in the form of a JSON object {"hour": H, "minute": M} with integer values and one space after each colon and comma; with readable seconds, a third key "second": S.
{"hour": 10, "minute": 38, "second": 19}
